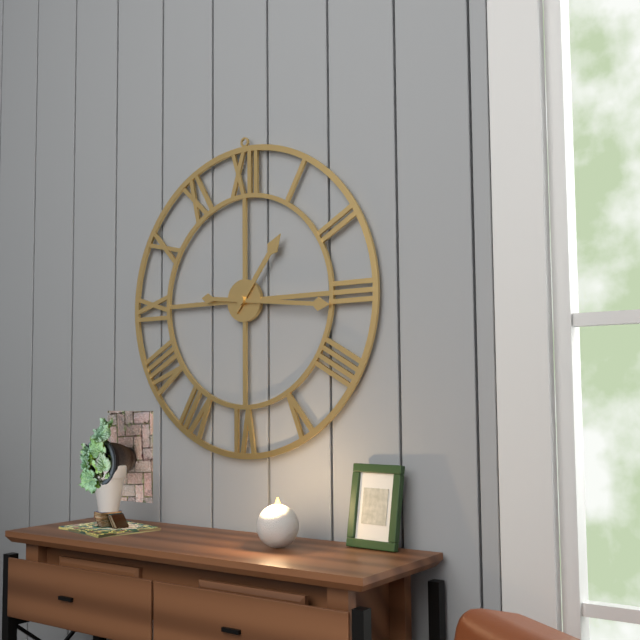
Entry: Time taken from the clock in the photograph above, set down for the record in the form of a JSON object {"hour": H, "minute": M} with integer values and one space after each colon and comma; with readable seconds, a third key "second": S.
{"hour": 1, "minute": 16}
